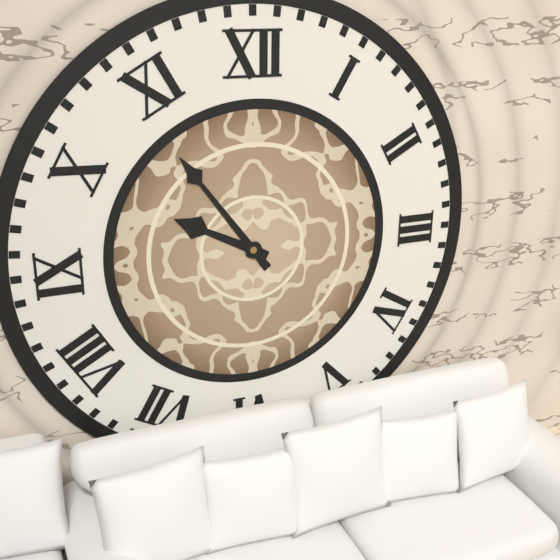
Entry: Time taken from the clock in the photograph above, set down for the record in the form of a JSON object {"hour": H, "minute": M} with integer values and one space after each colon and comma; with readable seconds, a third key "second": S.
{"hour": 9, "minute": 54}
